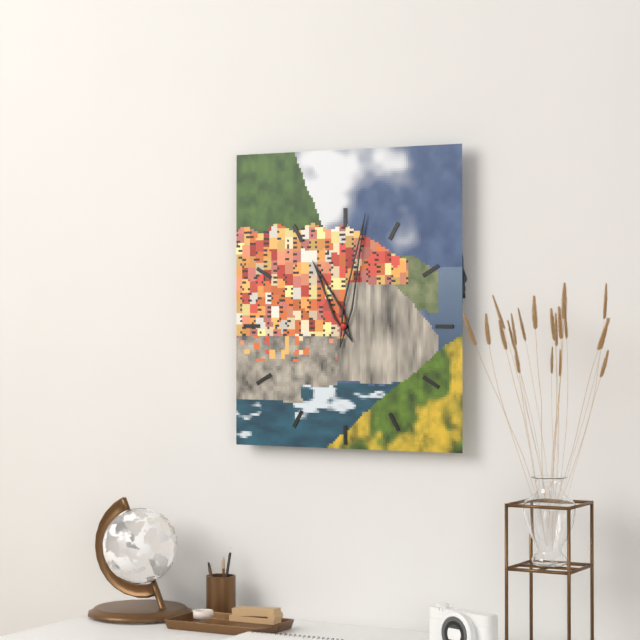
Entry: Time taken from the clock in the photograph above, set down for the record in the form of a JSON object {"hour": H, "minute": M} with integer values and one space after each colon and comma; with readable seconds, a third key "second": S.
{"hour": 11, "minute": 2}
